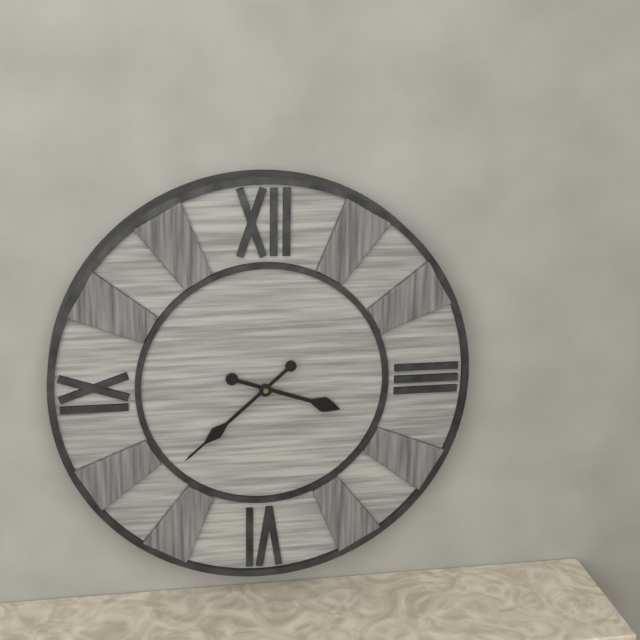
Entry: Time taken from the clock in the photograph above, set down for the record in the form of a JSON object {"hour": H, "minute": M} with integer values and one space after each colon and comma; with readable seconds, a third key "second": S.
{"hour": 3, "minute": 38}
